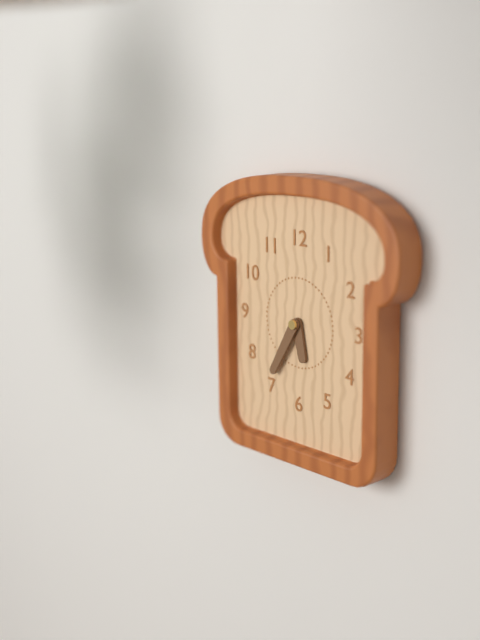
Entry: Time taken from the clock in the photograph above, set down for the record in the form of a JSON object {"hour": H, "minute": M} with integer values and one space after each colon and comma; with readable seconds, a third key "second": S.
{"hour": 5, "minute": 35}
